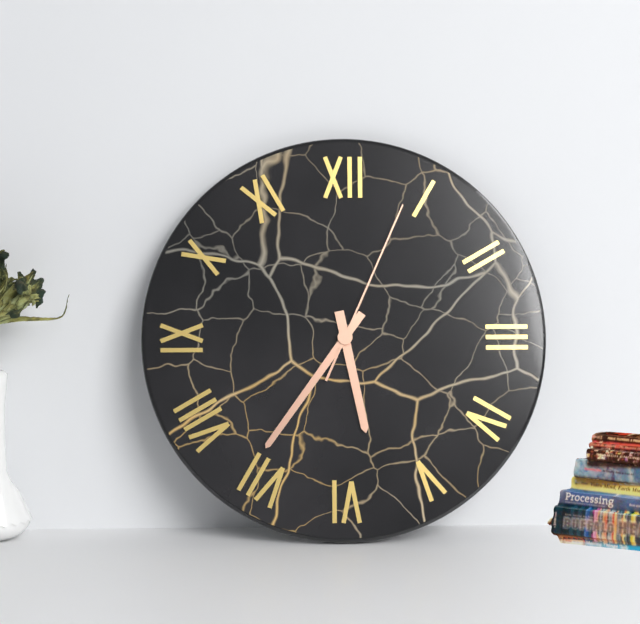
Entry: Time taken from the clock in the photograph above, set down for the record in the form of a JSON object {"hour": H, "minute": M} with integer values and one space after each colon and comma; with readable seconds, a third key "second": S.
{"hour": 5, "minute": 36, "second": 4}
